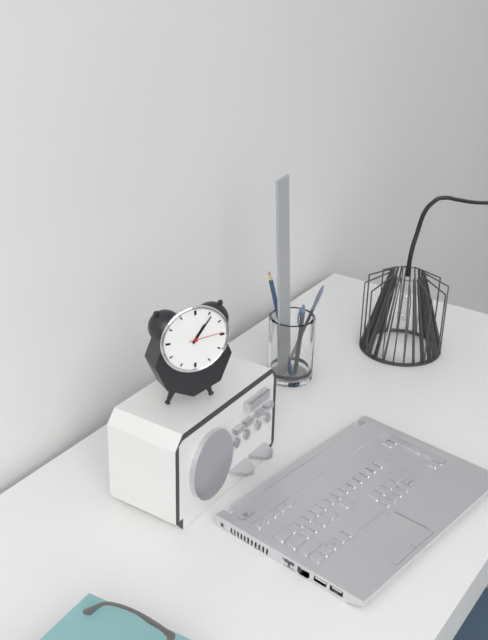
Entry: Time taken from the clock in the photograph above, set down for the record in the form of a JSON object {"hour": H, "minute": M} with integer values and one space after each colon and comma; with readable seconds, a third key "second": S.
{"hour": 1, "minute": 6}
